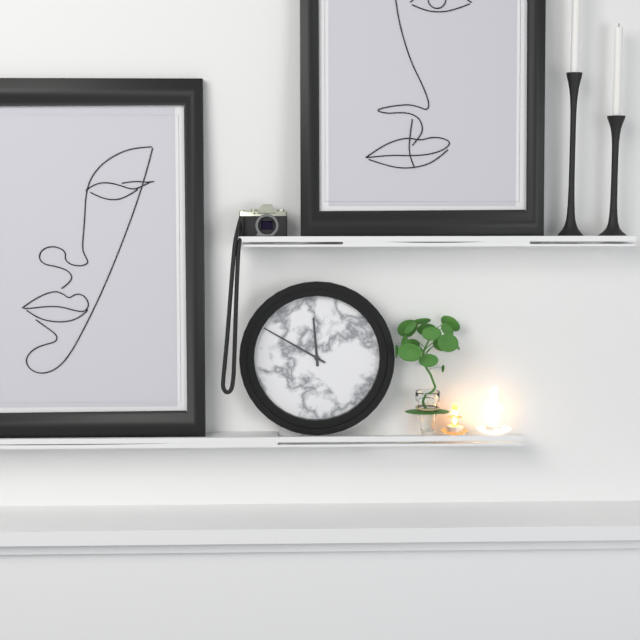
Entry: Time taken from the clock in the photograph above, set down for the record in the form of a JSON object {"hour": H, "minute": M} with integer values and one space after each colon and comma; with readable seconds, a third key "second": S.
{"hour": 11, "minute": 50}
